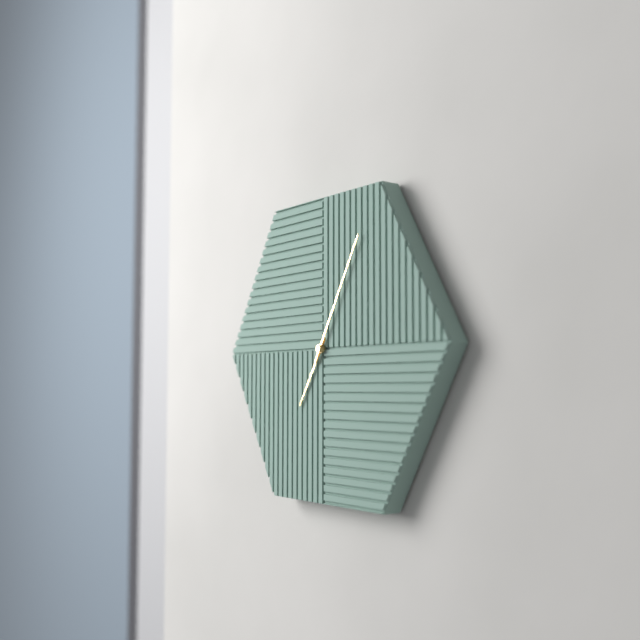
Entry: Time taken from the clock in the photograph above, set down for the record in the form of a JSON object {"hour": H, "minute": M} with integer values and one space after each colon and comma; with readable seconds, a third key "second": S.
{"hour": 7, "minute": 5}
